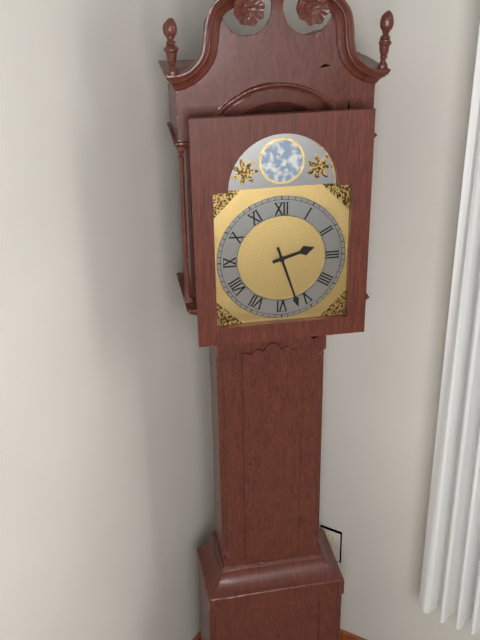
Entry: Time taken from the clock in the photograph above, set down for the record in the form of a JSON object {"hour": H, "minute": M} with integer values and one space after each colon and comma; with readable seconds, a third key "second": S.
{"hour": 2, "minute": 27}
